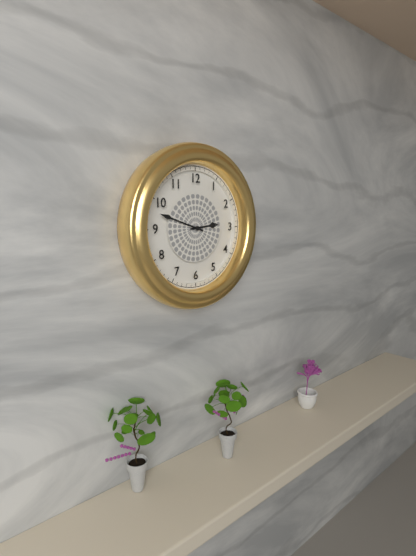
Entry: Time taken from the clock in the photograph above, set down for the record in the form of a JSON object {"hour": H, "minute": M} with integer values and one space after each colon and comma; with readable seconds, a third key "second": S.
{"hour": 2, "minute": 48}
